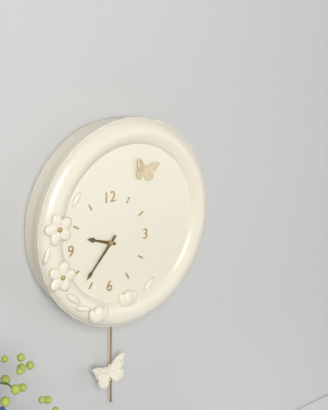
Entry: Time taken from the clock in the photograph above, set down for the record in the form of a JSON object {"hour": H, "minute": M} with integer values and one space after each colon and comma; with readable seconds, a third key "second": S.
{"hour": 9, "minute": 37}
